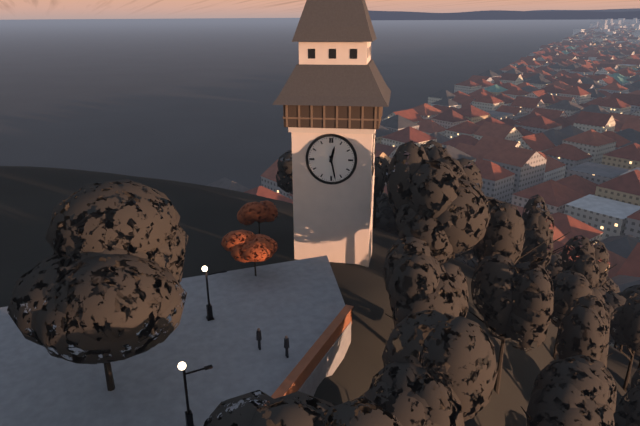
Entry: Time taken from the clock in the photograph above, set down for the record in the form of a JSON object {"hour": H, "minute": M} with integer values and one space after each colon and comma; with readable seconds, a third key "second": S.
{"hour": 12, "minute": 28}
